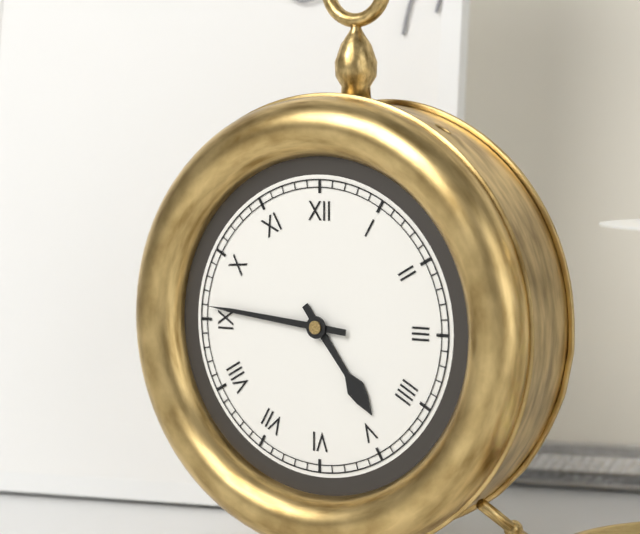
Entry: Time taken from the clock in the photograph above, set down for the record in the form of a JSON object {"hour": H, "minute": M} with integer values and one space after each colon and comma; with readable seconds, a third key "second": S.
{"hour": 4, "minute": 46}
